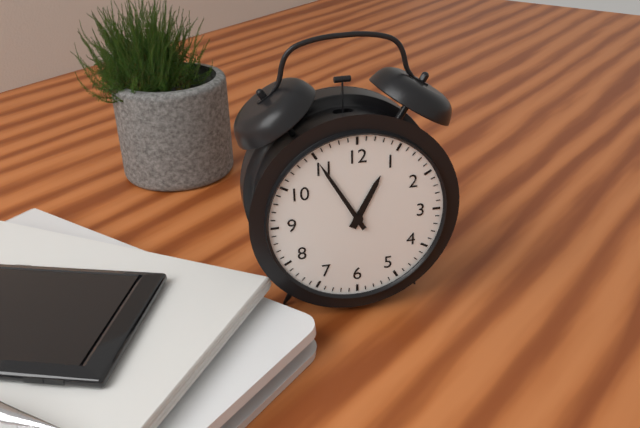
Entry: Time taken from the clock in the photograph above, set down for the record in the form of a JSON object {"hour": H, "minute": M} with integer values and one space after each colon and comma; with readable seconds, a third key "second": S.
{"hour": 12, "minute": 55}
